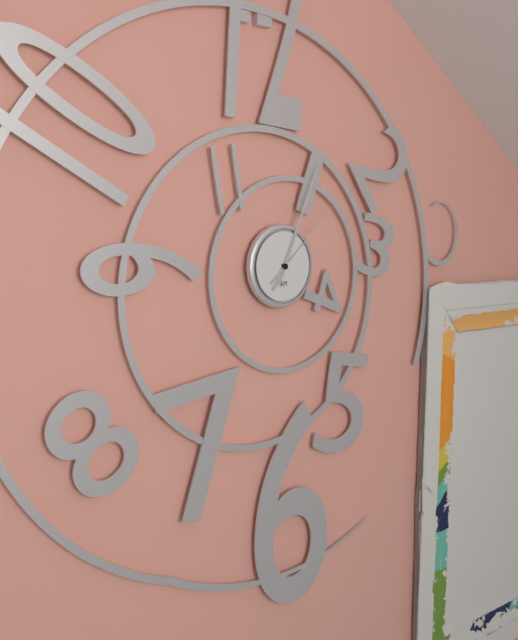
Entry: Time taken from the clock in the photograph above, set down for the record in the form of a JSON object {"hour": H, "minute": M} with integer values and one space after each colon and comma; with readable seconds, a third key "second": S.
{"hour": 7, "minute": 4, "second": 8}
